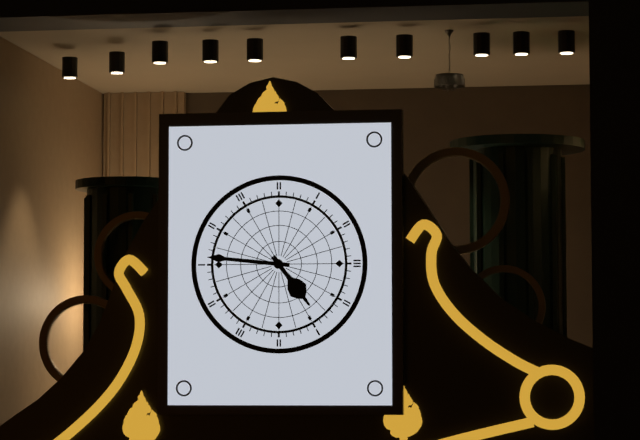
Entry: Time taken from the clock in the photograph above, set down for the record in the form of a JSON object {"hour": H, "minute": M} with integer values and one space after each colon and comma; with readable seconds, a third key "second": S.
{"hour": 4, "minute": 46}
